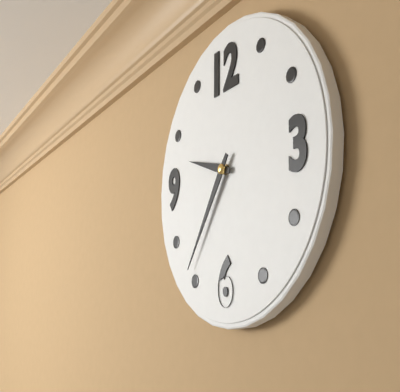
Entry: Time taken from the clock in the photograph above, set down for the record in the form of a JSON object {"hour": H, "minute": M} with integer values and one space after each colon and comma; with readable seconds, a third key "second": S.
{"hour": 9, "minute": 36}
